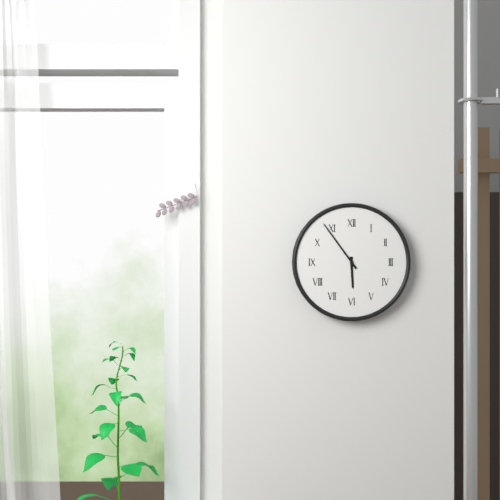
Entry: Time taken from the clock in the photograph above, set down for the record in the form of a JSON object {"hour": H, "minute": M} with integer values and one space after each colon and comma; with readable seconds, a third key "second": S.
{"hour": 5, "minute": 54}
